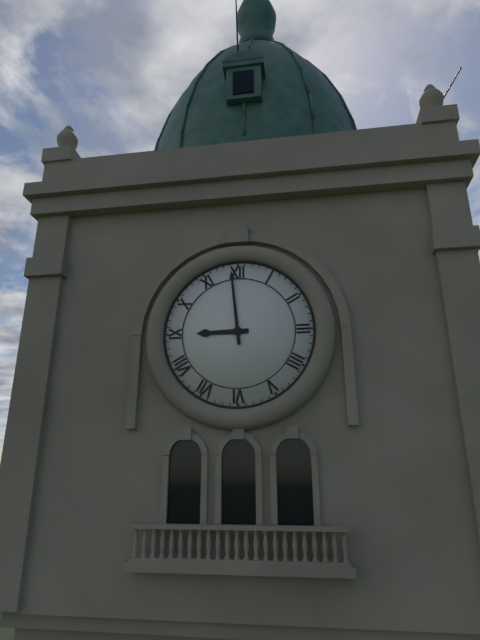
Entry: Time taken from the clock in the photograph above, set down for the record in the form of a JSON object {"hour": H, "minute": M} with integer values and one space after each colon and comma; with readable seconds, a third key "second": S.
{"hour": 8, "minute": 59}
